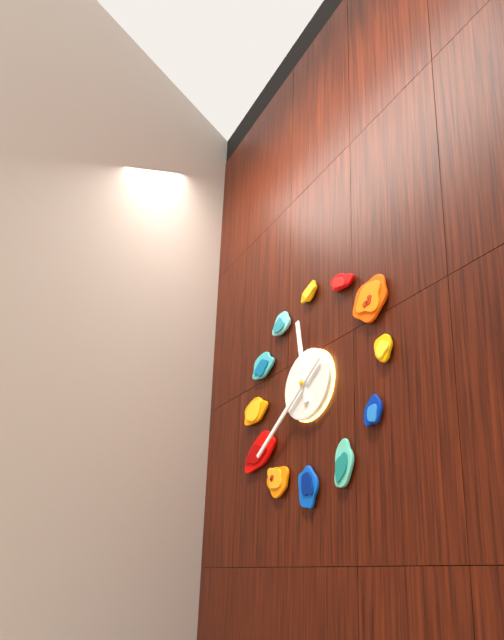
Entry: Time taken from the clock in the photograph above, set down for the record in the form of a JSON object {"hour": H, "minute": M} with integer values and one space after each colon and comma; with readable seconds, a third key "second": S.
{"hour": 11, "minute": 39}
